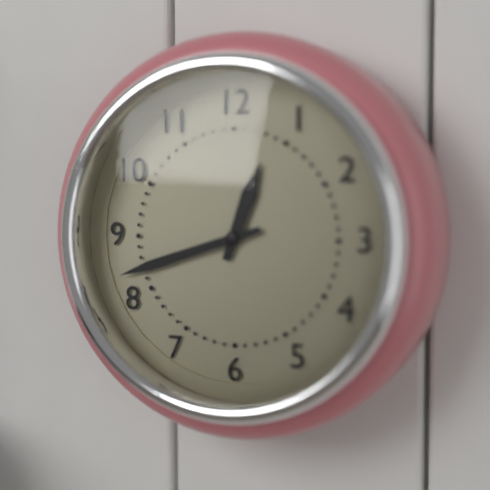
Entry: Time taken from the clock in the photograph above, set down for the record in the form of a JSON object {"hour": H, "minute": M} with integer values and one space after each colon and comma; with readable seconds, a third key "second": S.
{"hour": 12, "minute": 42}
